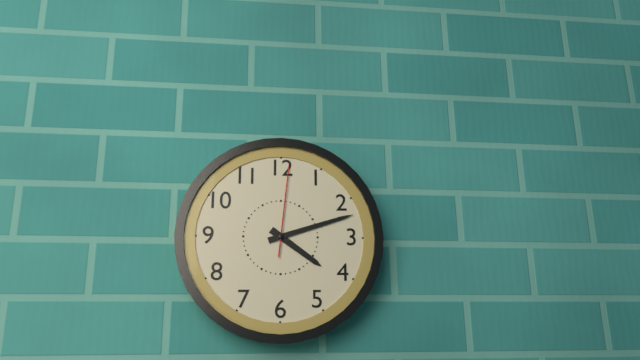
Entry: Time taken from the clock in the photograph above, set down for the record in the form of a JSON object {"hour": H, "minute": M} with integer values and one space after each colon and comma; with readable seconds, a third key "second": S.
{"hour": 4, "minute": 12, "second": 1}
